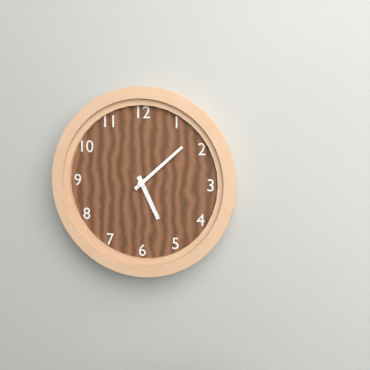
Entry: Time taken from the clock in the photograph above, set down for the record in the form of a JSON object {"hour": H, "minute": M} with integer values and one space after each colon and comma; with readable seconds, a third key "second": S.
{"hour": 5, "minute": 8}
